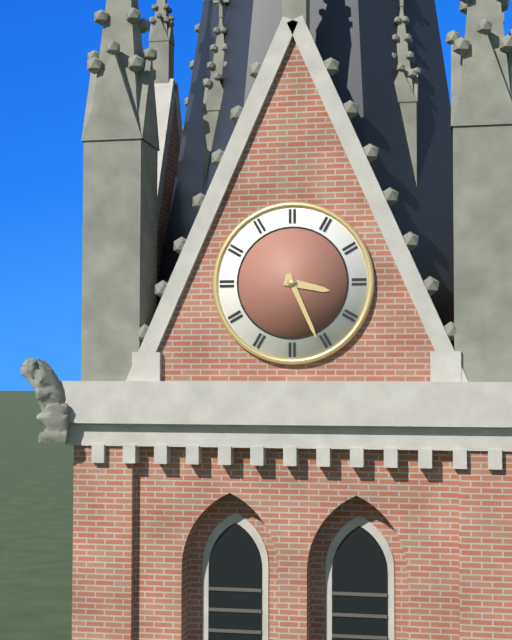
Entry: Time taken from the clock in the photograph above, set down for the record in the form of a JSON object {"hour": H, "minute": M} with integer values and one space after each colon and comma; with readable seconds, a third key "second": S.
{"hour": 3, "minute": 26}
